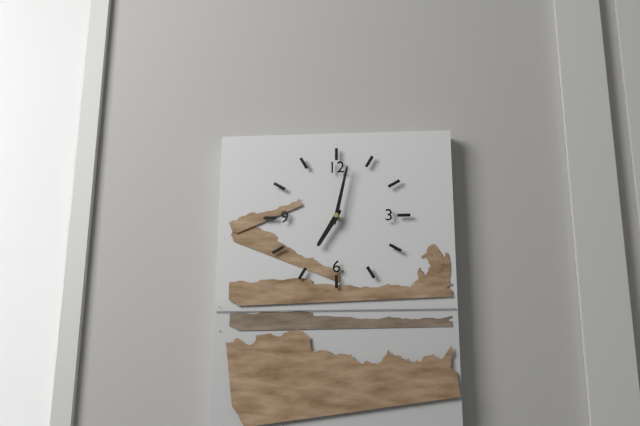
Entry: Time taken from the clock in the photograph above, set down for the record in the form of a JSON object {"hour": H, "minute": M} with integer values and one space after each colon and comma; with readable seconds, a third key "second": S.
{"hour": 7, "minute": 2}
